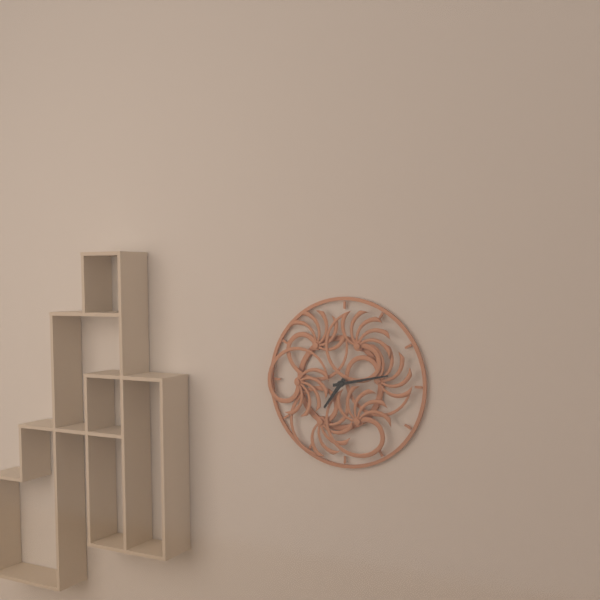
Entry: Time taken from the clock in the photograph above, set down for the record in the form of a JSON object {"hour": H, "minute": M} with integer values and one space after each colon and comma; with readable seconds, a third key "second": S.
{"hour": 7, "minute": 13}
